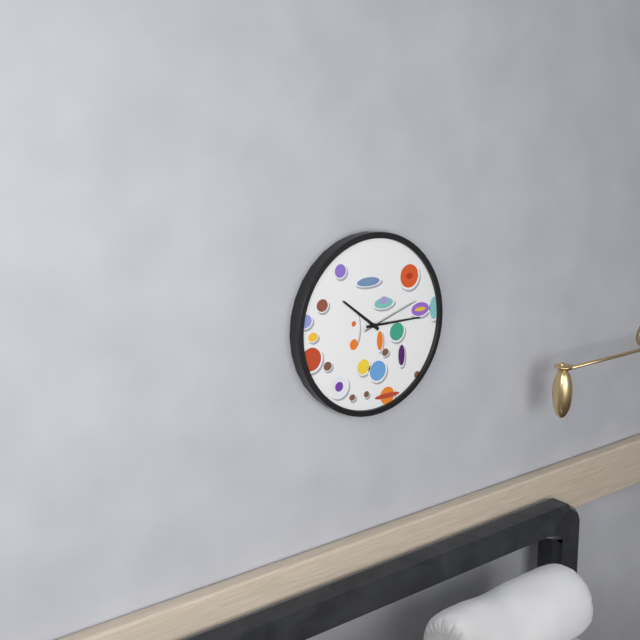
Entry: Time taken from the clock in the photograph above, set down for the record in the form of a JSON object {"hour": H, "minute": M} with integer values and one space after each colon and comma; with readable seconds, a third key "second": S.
{"hour": 10, "minute": 15, "second": 12}
